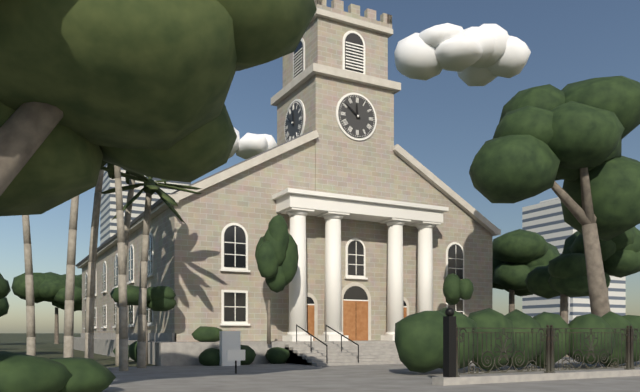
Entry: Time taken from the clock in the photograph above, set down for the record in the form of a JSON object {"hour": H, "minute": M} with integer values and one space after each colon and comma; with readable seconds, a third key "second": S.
{"hour": 11, "minute": 51}
